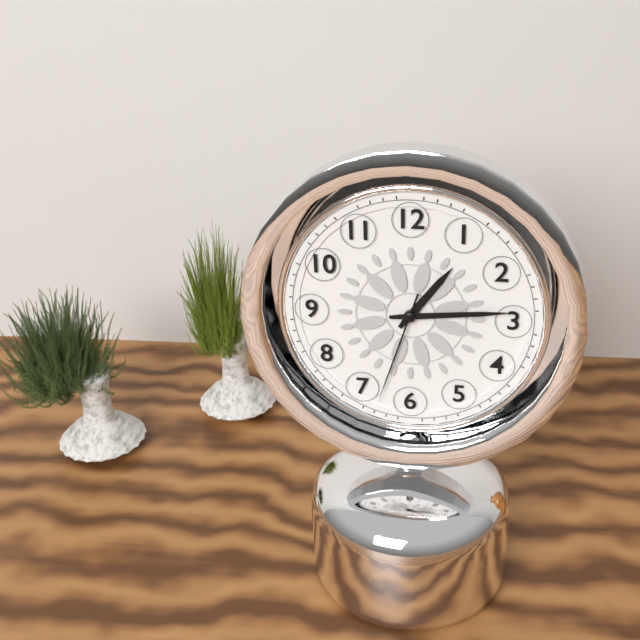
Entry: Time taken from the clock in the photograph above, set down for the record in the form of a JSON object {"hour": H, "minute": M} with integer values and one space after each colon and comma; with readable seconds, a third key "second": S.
{"hour": 1, "minute": 14, "second": 33}
